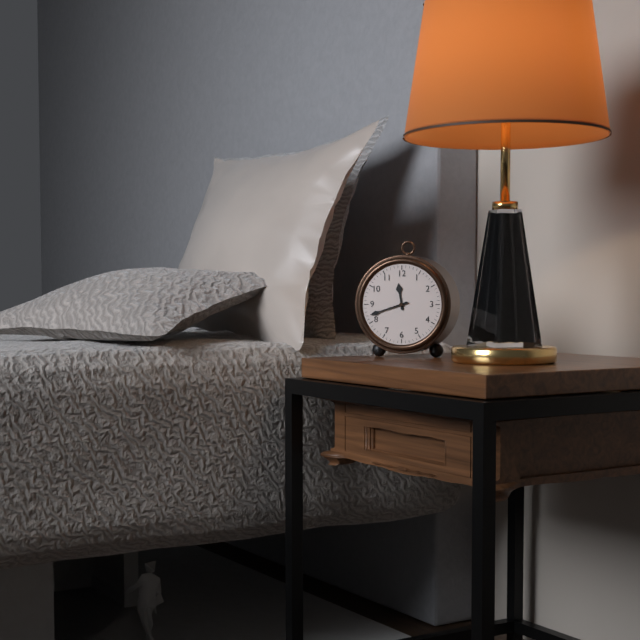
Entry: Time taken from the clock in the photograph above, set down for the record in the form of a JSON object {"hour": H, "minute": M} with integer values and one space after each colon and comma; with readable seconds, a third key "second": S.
{"hour": 11, "minute": 42}
